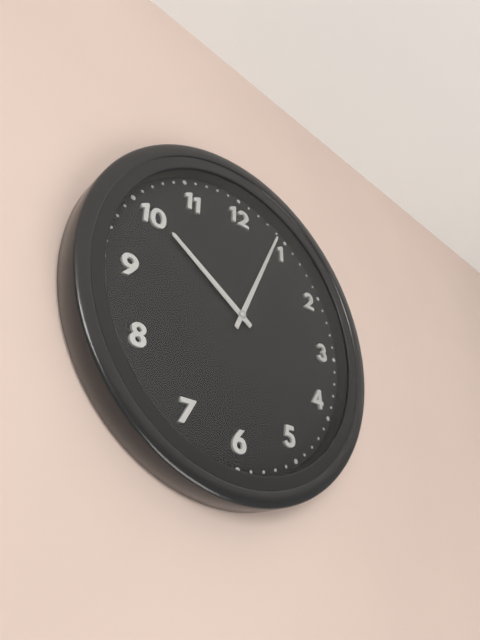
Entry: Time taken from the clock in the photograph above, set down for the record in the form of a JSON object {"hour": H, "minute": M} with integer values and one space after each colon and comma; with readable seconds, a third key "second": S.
{"hour": 10, "minute": 4}
